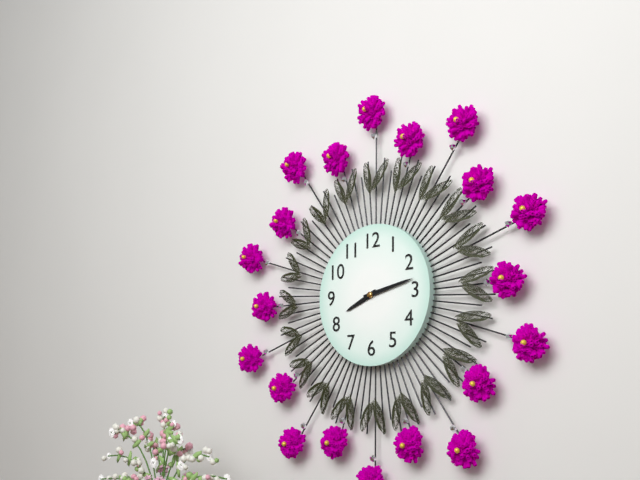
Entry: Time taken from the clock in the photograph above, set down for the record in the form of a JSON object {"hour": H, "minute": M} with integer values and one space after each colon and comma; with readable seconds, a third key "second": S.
{"hour": 8, "minute": 13}
